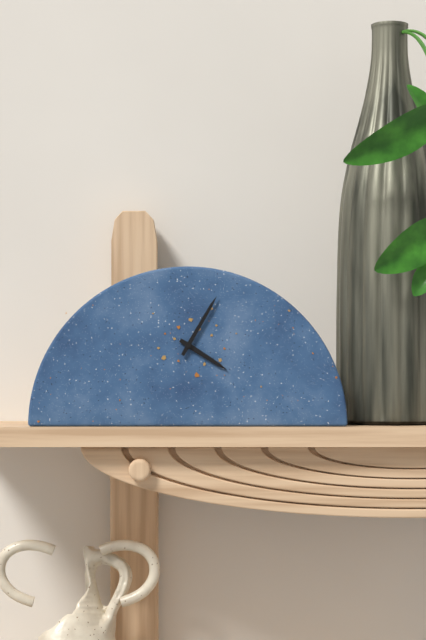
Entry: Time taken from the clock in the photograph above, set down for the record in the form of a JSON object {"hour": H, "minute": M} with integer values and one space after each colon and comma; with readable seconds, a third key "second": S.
{"hour": 4, "minute": 5}
